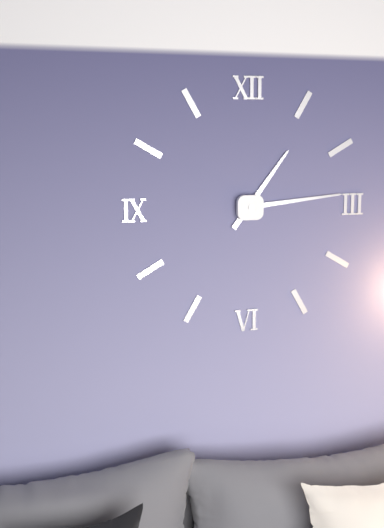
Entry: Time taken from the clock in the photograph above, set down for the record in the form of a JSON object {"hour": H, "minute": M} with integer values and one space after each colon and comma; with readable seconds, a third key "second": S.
{"hour": 1, "minute": 14}
